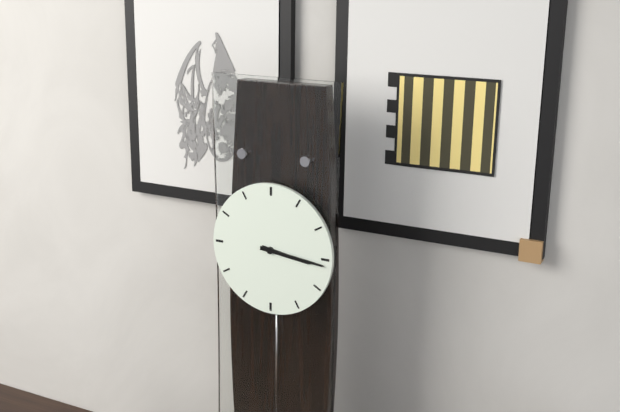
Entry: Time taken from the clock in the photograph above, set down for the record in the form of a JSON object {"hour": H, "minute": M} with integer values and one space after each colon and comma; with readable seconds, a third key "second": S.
{"hour": 3, "minute": 16}
